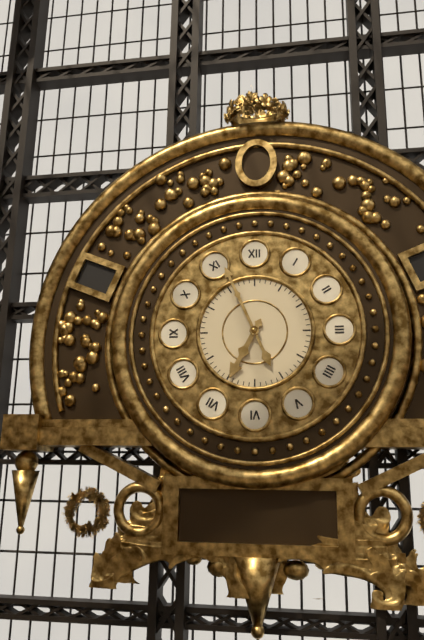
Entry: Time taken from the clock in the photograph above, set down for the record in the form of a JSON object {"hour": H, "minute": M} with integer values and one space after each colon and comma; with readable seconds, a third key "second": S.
{"hour": 6, "minute": 56}
